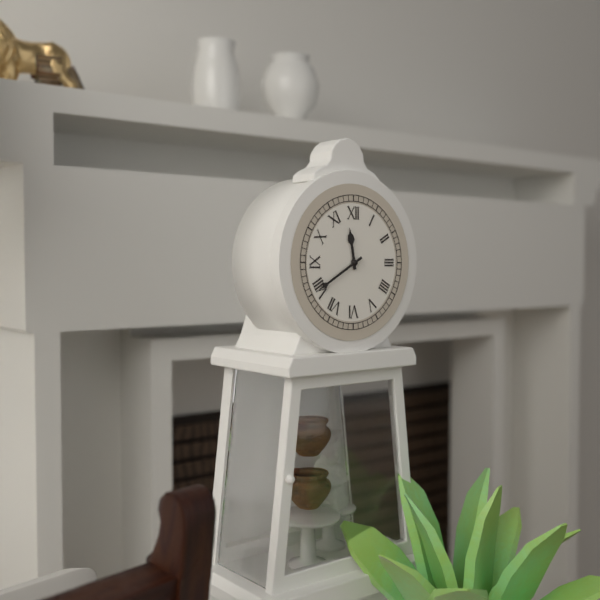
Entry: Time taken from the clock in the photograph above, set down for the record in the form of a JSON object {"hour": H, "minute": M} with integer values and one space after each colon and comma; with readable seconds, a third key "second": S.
{"hour": 11, "minute": 40}
